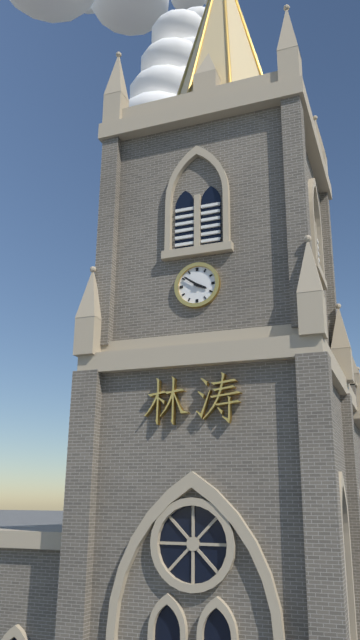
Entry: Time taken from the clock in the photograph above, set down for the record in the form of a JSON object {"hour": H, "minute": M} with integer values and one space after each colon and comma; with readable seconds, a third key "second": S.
{"hour": 3, "minute": 51}
